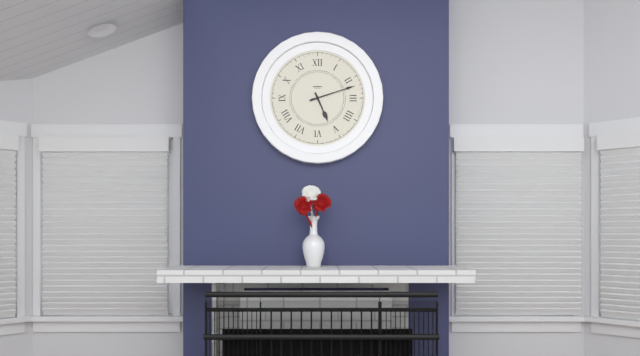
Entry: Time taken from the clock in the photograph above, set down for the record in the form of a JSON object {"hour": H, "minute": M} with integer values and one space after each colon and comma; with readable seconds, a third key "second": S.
{"hour": 5, "minute": 12}
